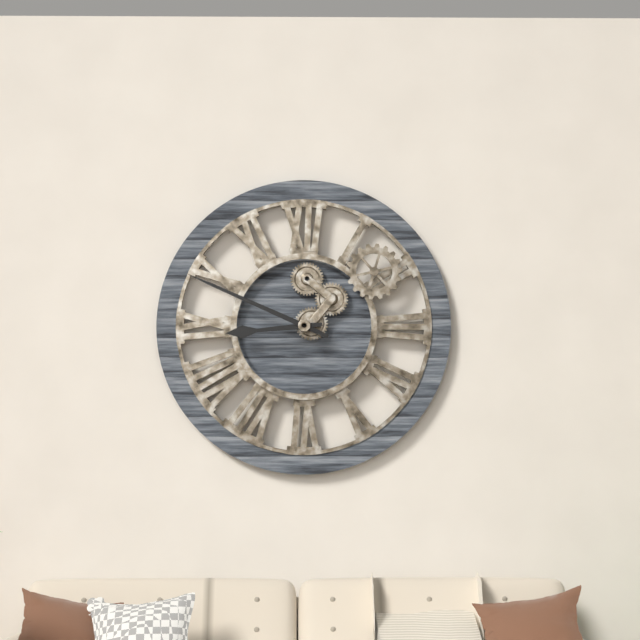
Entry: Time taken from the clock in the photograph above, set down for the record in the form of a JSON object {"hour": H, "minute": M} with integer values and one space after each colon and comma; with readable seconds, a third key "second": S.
{"hour": 8, "minute": 49}
